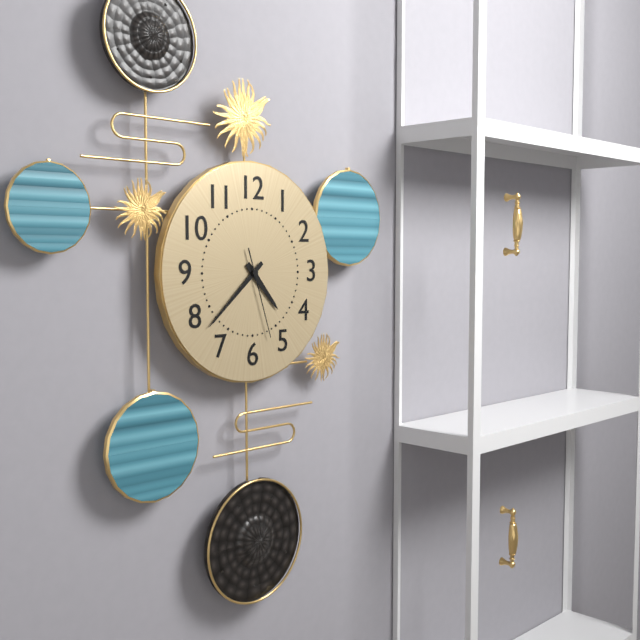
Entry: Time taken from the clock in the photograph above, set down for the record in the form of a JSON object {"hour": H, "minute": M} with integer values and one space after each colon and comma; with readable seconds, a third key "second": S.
{"hour": 4, "minute": 38, "second": 27}
